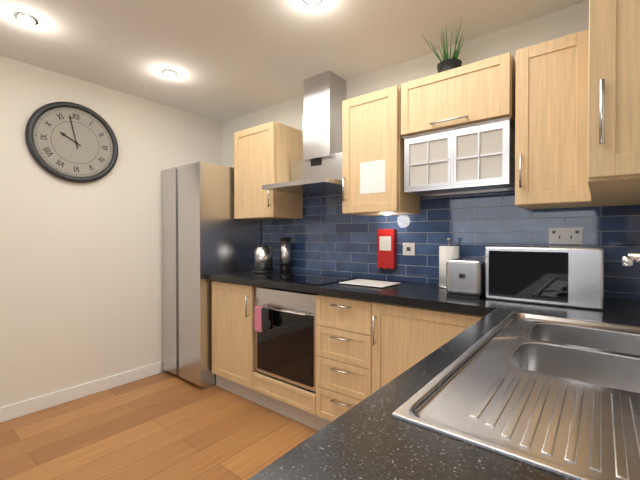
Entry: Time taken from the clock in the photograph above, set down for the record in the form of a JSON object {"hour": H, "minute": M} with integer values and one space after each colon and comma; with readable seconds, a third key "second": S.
{"hour": 9, "minute": 58}
